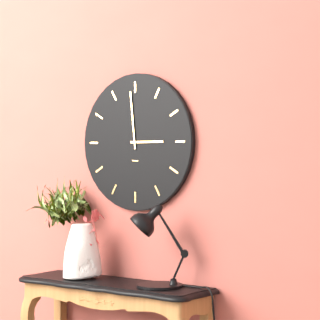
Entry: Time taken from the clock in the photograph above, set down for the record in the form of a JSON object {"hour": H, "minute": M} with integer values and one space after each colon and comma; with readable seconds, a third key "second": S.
{"hour": 2, "minute": 59}
